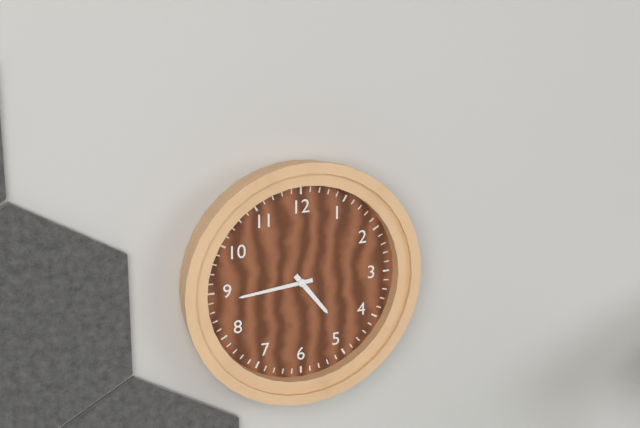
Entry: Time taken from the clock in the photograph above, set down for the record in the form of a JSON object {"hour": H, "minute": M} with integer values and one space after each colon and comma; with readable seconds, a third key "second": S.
{"hour": 4, "minute": 44}
